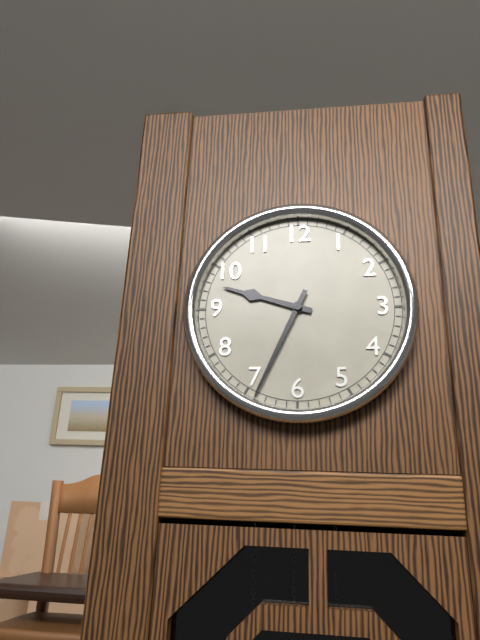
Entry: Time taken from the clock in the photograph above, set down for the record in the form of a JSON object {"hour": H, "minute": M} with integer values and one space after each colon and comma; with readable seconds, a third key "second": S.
{"hour": 9, "minute": 34}
